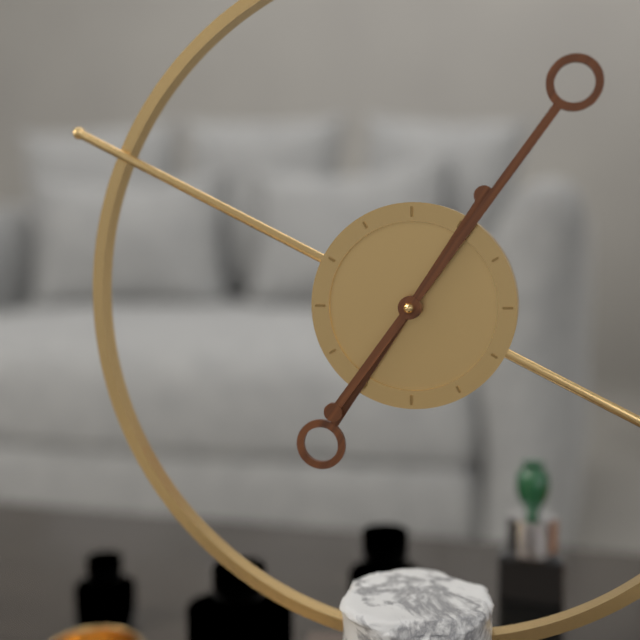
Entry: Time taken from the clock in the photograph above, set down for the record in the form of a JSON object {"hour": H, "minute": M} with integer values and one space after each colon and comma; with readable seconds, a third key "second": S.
{"hour": 7, "minute": 6}
